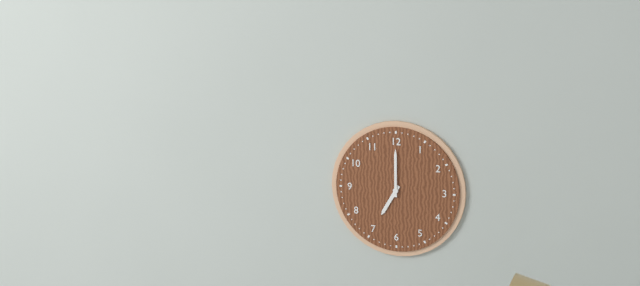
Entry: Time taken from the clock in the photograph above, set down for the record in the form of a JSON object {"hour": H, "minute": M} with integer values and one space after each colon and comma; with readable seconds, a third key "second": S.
{"hour": 7, "minute": 0}
